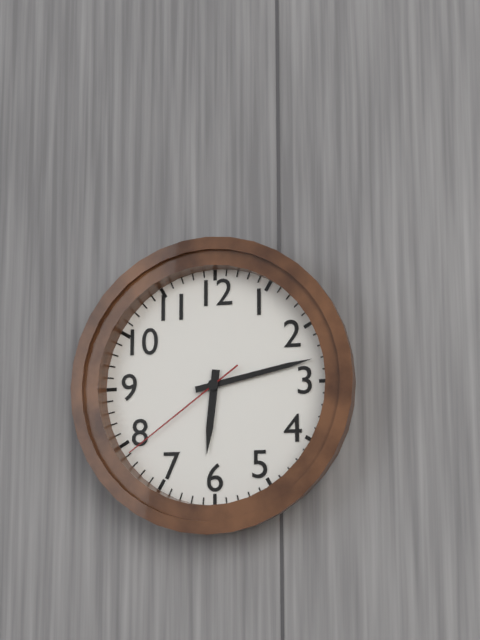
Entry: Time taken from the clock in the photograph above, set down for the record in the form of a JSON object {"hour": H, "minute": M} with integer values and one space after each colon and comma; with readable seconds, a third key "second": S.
{"hour": 6, "minute": 13, "second": 39}
